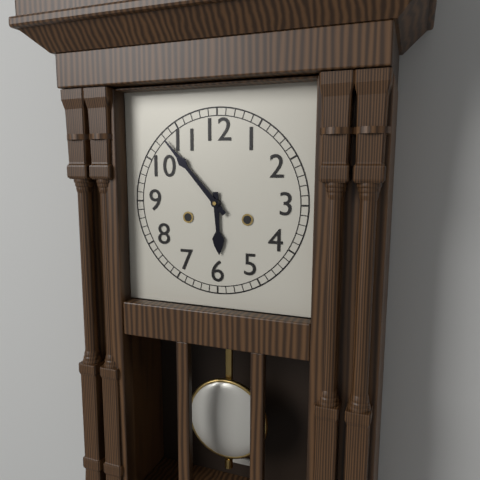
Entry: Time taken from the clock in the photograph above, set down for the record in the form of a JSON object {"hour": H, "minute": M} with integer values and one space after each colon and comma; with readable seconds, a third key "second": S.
{"hour": 5, "minute": 53}
